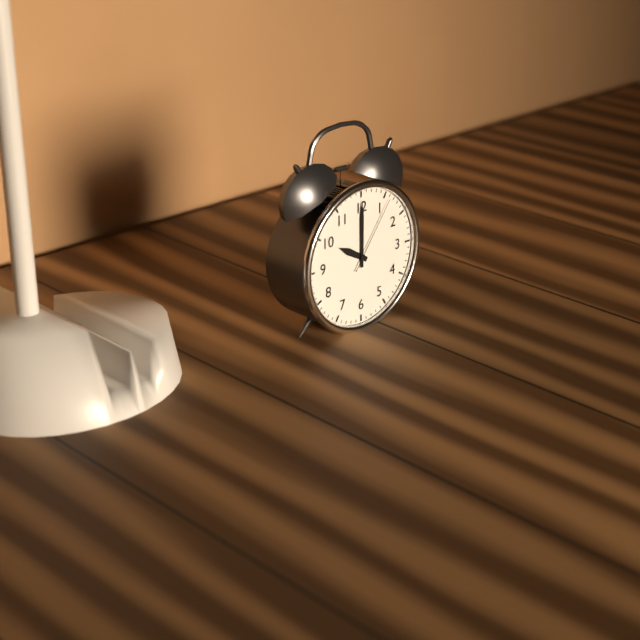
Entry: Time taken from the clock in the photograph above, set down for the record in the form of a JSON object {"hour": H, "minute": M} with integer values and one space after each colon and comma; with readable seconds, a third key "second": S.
{"hour": 10, "minute": 0, "second": 6}
